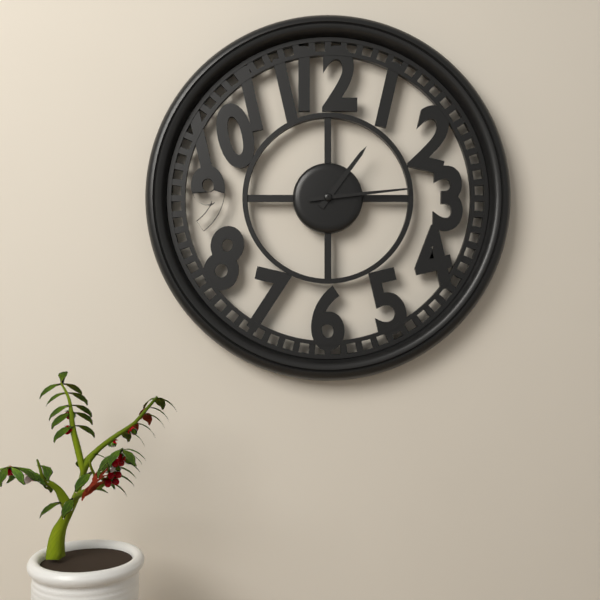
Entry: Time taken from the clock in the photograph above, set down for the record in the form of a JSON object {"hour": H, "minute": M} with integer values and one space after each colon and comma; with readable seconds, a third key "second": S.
{"hour": 1, "minute": 14}
